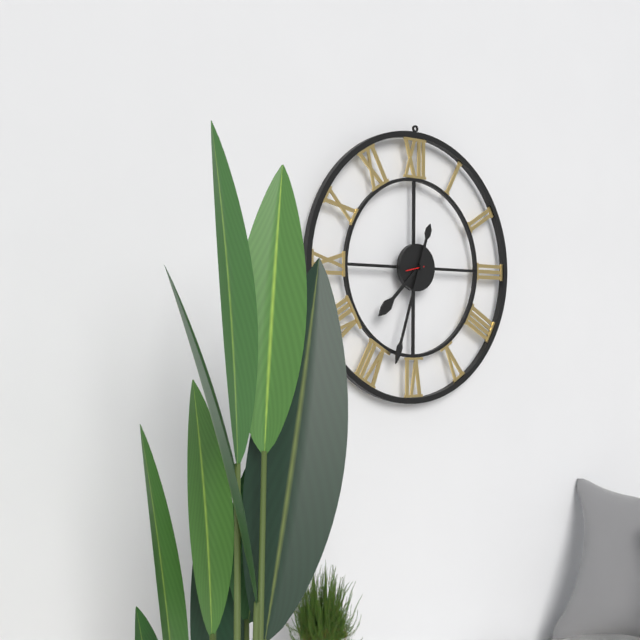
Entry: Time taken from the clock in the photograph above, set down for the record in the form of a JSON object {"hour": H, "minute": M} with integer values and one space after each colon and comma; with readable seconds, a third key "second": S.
{"hour": 7, "minute": 33}
